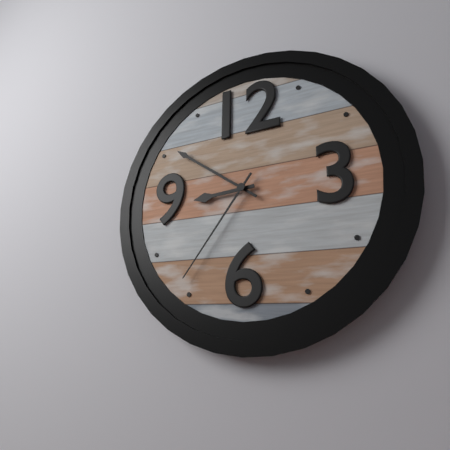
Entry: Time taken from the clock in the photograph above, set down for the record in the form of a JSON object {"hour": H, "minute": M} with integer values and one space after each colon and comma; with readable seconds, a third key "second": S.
{"hour": 8, "minute": 51, "second": 36}
